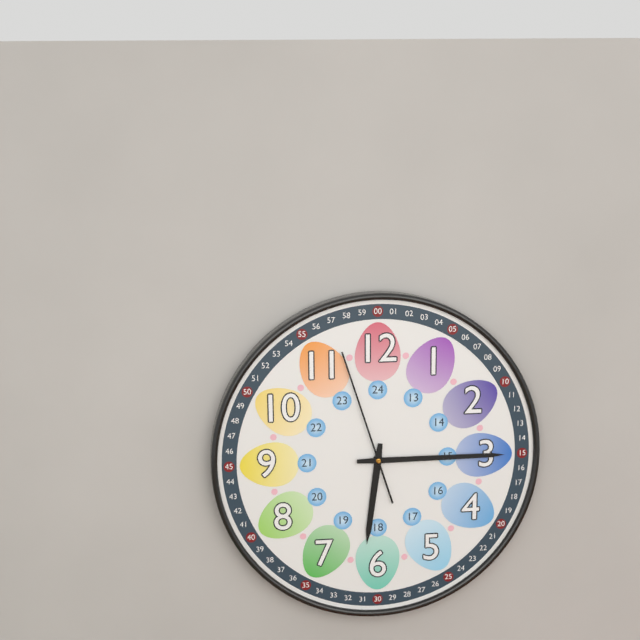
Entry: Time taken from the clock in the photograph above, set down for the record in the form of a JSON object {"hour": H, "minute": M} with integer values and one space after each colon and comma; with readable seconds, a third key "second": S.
{"hour": 6, "minute": 15, "second": 57}
